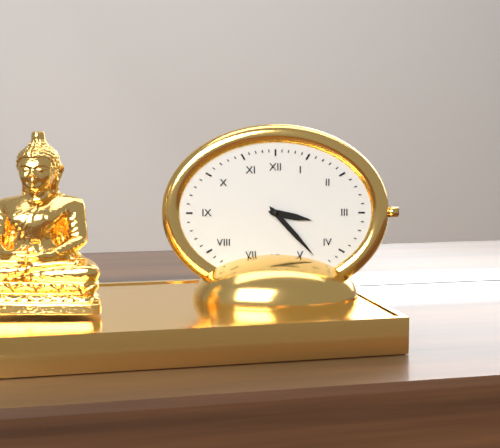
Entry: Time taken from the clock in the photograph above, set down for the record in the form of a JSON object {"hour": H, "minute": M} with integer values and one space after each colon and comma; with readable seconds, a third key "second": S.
{"hour": 3, "minute": 23}
